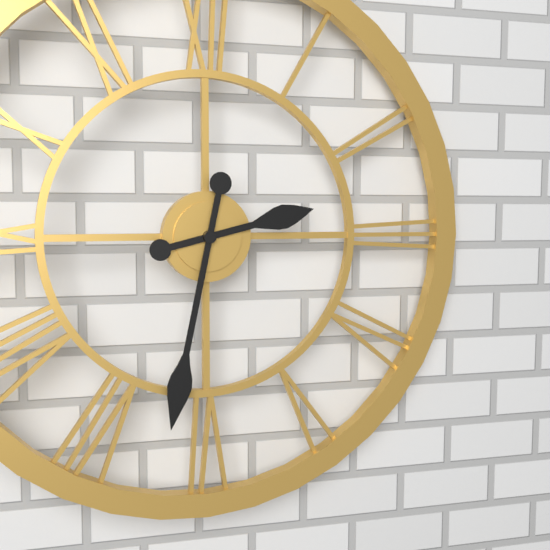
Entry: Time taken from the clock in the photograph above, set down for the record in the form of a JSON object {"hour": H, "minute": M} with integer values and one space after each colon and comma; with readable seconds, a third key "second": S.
{"hour": 2, "minute": 32}
